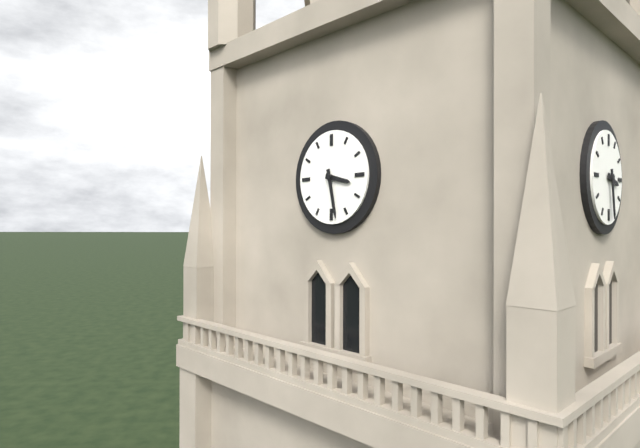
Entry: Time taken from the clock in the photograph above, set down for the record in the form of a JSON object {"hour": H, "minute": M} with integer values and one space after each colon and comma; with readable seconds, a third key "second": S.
{"hour": 3, "minute": 28}
